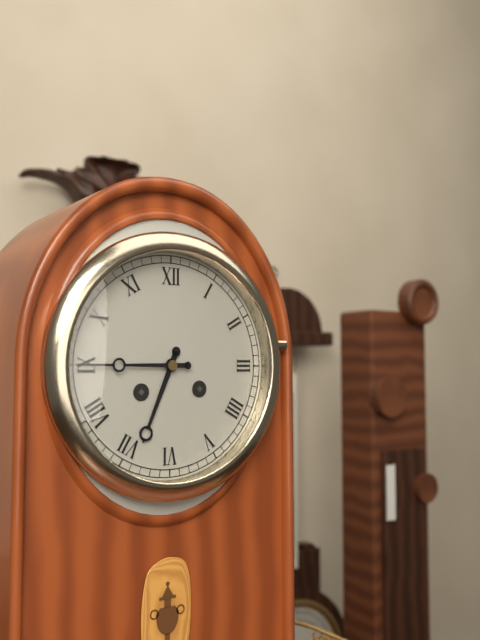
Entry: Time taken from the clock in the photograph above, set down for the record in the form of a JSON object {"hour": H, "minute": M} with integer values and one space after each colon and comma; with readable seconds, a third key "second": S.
{"hour": 6, "minute": 45}
